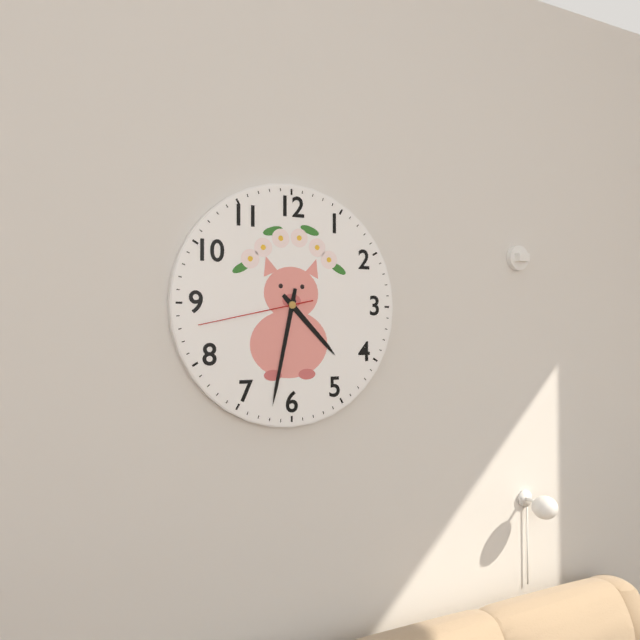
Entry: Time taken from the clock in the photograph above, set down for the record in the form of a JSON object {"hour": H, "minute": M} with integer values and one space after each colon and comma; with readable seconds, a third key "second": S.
{"hour": 4, "minute": 32, "second": 43}
